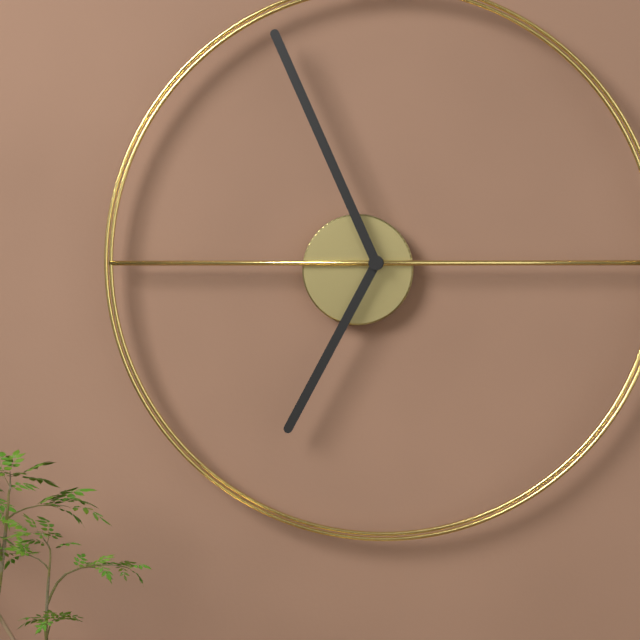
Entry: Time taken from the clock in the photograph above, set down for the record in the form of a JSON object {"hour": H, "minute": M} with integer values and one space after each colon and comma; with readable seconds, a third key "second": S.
{"hour": 6, "minute": 56}
